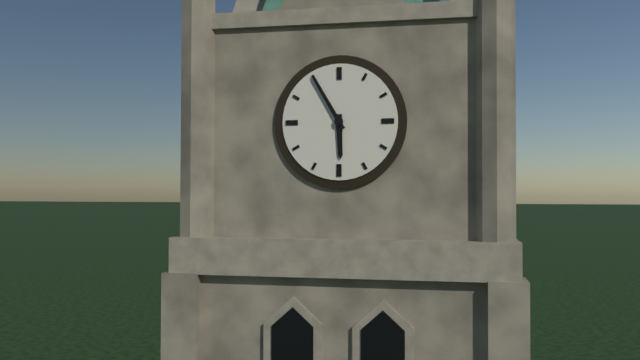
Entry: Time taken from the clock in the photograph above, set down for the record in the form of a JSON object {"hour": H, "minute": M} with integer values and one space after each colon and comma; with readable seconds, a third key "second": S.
{"hour": 5, "minute": 55}
